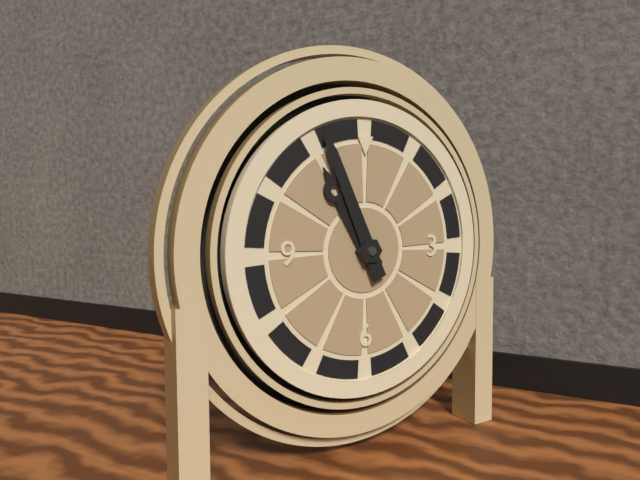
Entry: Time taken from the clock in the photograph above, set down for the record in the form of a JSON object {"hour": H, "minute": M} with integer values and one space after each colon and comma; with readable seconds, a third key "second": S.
{"hour": 10, "minute": 56}
